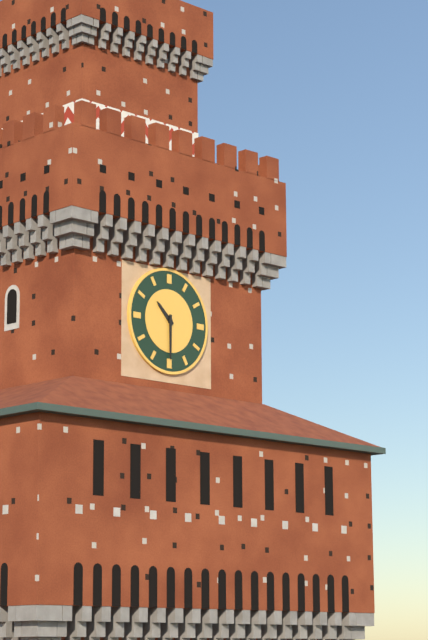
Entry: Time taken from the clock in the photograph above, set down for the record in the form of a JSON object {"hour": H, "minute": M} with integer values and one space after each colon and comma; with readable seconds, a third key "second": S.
{"hour": 10, "minute": 30}
